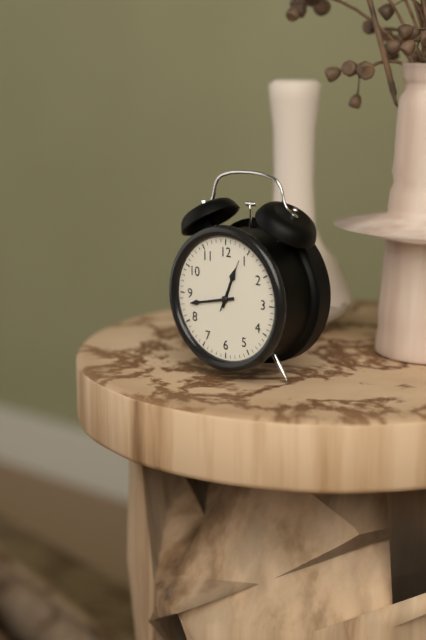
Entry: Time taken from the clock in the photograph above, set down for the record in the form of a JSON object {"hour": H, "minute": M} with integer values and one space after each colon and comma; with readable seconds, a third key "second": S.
{"hour": 12, "minute": 43, "second": 4}
